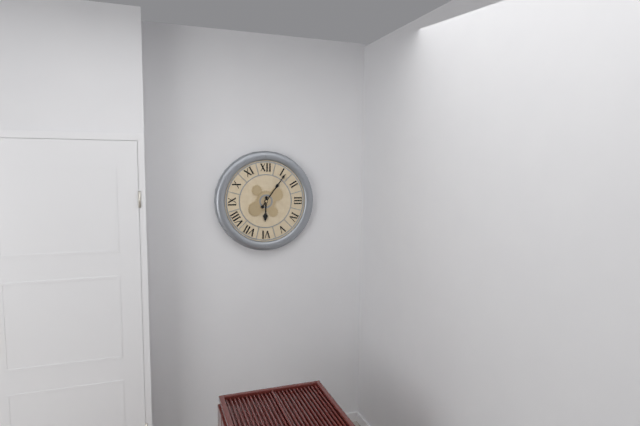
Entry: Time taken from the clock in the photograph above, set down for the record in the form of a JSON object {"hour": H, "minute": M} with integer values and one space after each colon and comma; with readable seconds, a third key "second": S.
{"hour": 6, "minute": 6}
